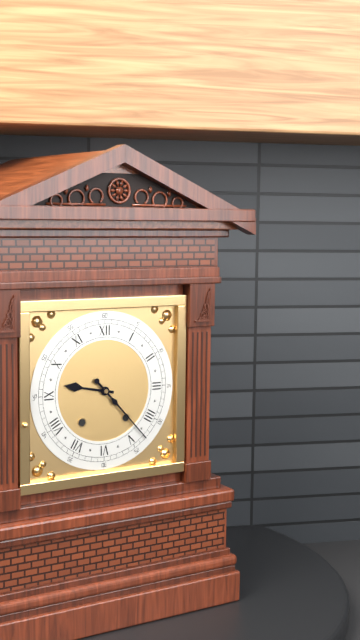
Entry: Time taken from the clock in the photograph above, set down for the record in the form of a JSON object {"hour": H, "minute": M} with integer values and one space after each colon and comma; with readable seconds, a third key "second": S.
{"hour": 9, "minute": 23}
